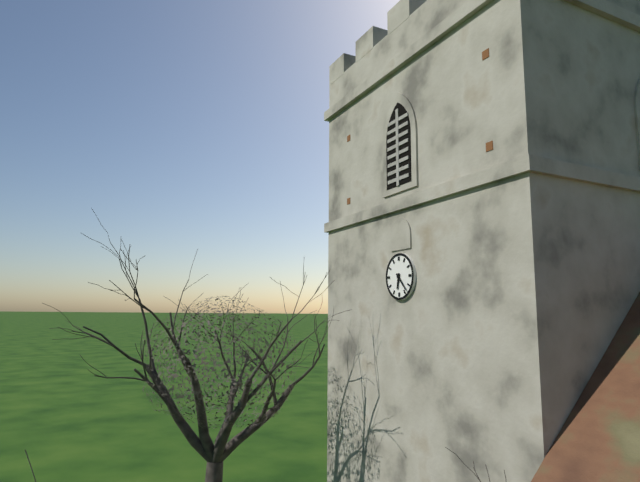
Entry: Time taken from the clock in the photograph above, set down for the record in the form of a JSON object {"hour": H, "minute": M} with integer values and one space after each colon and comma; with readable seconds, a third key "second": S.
{"hour": 6, "minute": 23}
